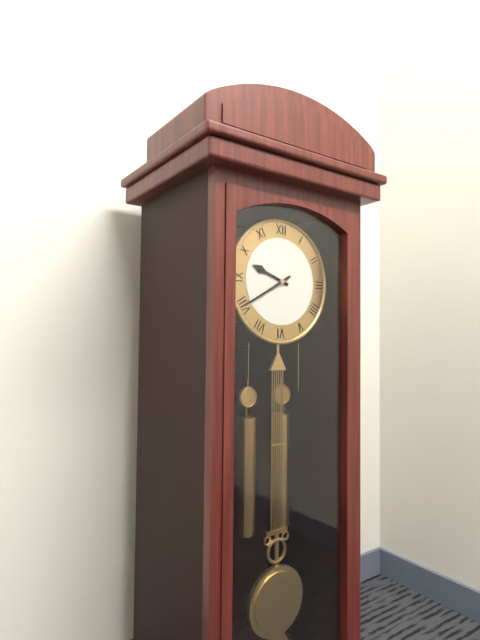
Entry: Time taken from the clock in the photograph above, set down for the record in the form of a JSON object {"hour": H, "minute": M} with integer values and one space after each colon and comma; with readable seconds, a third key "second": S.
{"hour": 9, "minute": 40}
